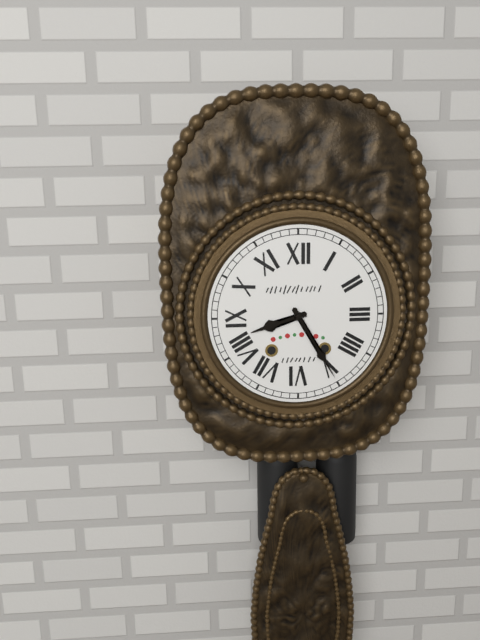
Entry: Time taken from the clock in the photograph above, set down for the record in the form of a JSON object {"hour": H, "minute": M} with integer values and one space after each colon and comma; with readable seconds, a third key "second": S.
{"hour": 8, "minute": 25}
